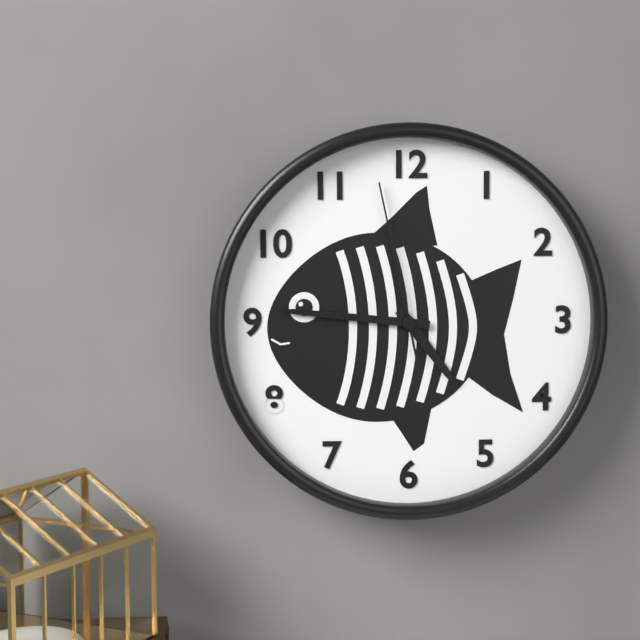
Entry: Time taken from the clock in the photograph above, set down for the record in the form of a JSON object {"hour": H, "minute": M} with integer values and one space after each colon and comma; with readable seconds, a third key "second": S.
{"hour": 4, "minute": 46, "second": 58}
